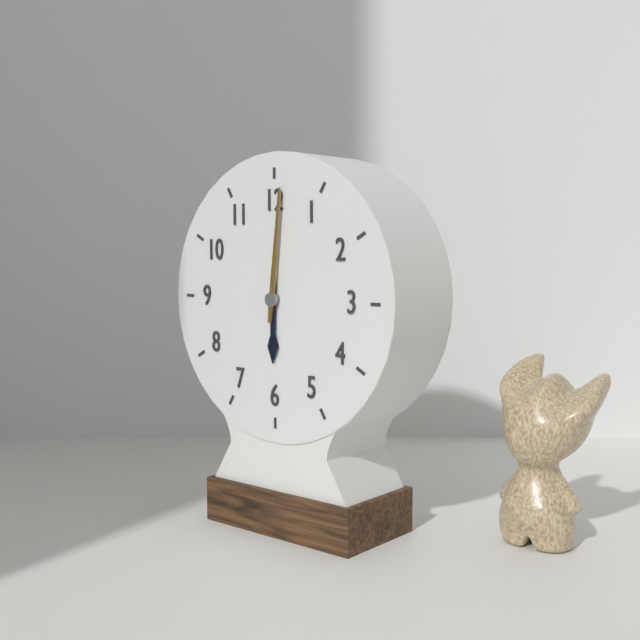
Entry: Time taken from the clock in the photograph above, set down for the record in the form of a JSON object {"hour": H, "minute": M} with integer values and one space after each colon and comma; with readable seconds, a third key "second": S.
{"hour": 6, "minute": 1}
